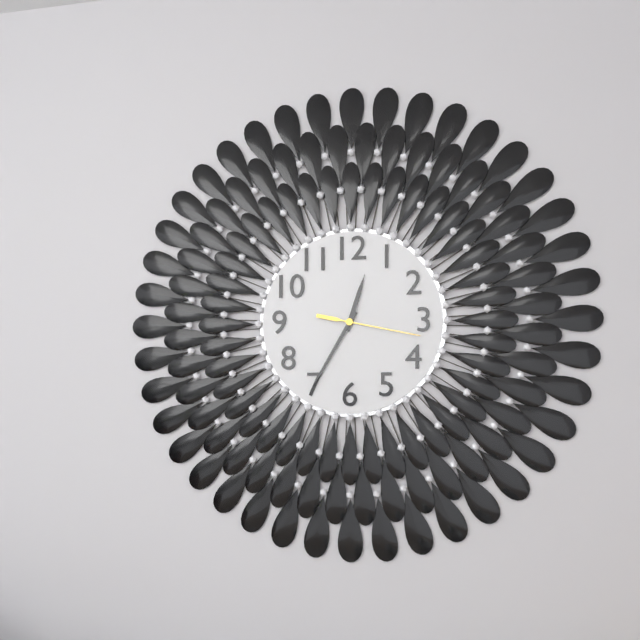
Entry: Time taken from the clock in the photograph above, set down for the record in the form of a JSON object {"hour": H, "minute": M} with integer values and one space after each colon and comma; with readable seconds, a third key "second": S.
{"hour": 12, "minute": 35, "second": 17}
